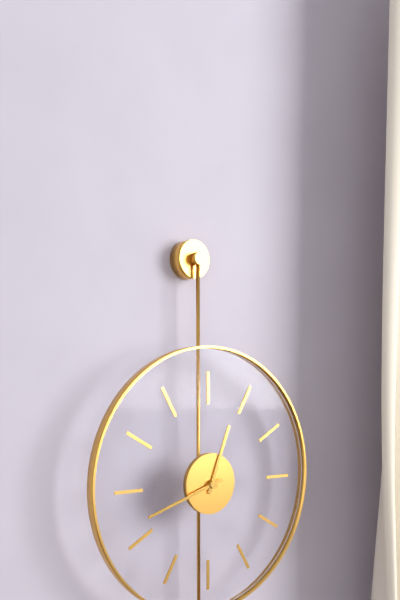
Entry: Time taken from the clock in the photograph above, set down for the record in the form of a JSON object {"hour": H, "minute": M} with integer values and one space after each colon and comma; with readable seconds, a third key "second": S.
{"hour": 12, "minute": 42}
